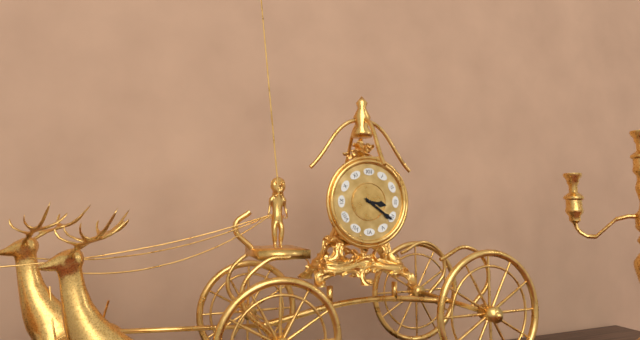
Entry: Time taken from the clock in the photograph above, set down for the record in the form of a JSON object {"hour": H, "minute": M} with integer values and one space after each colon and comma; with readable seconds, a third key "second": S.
{"hour": 3, "minute": 21}
